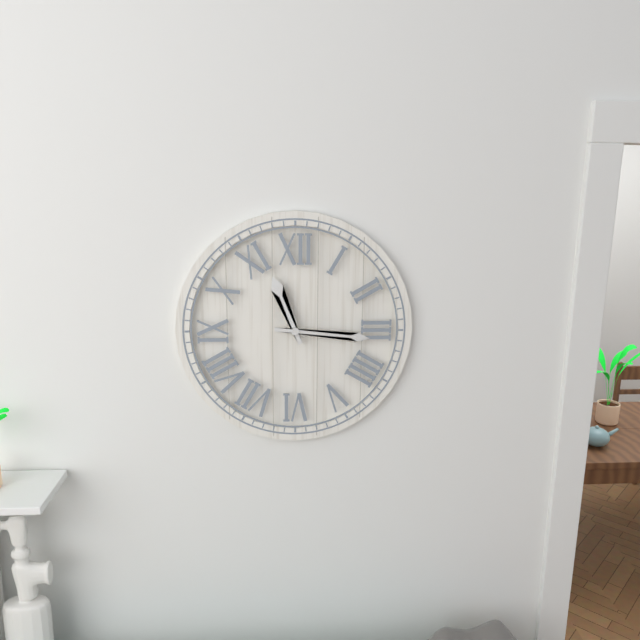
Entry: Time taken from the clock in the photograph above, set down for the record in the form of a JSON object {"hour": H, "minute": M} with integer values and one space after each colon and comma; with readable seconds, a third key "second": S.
{"hour": 11, "minute": 16}
